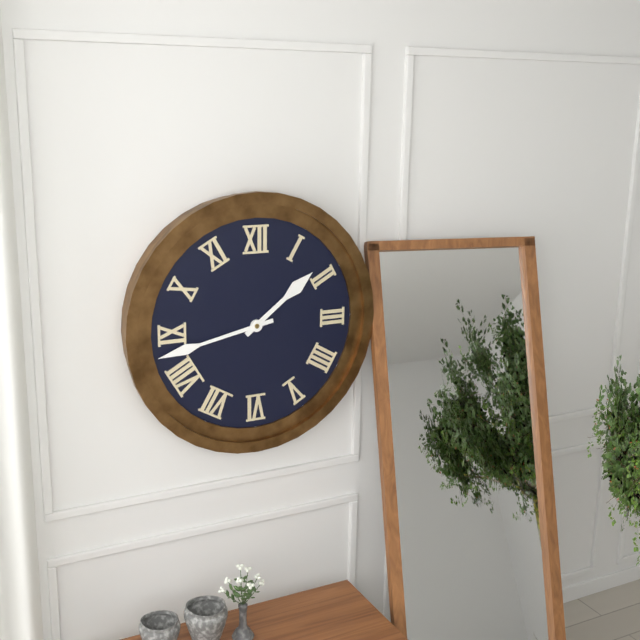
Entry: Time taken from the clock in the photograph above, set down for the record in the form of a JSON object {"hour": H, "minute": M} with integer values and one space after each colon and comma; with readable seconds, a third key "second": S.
{"hour": 1, "minute": 43}
